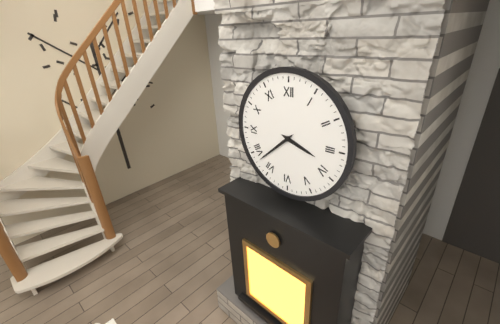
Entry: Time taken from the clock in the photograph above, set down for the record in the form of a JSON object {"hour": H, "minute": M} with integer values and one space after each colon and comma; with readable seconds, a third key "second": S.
{"hour": 3, "minute": 38}
